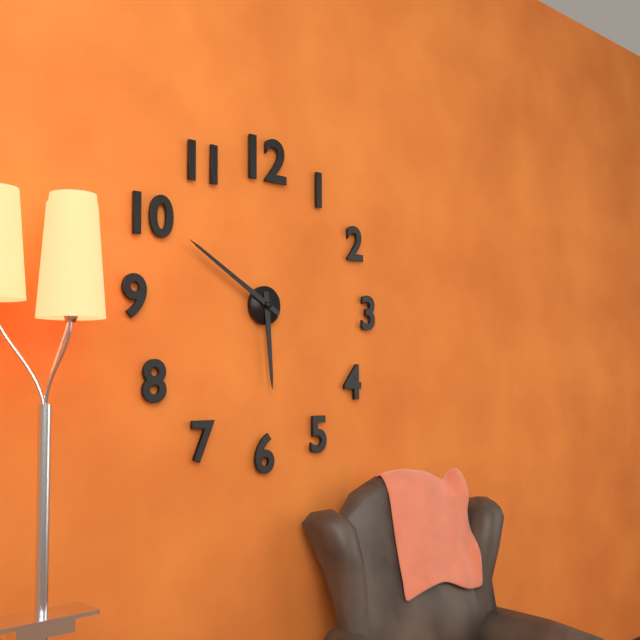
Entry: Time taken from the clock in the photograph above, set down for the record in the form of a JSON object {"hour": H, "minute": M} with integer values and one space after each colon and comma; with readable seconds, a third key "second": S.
{"hour": 5, "minute": 50}
